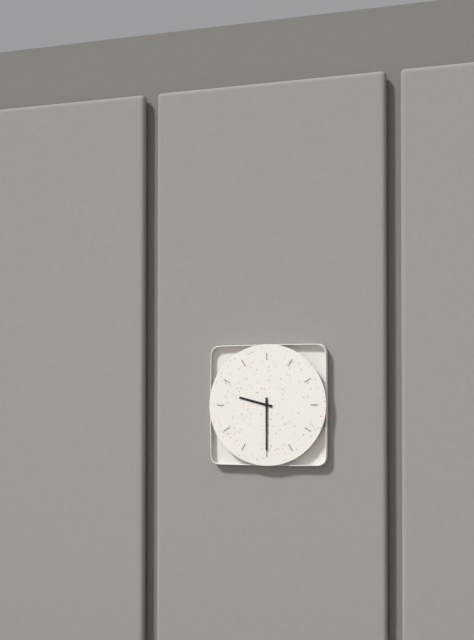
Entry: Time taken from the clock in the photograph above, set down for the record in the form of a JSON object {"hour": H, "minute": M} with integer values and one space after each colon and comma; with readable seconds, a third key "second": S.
{"hour": 9, "minute": 30}
